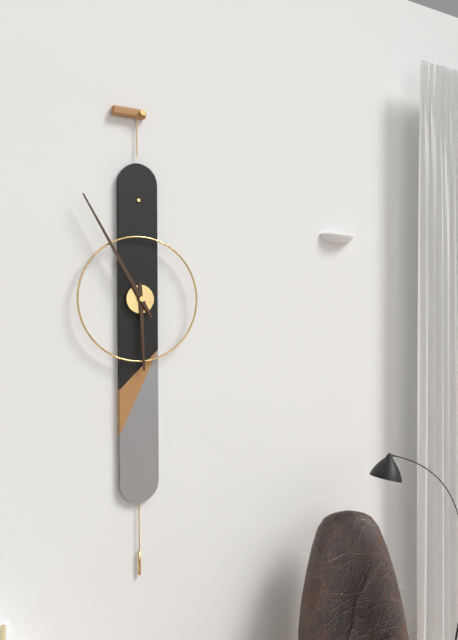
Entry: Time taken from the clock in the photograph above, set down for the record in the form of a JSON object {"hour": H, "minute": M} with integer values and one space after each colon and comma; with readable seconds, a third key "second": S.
{"hour": 5, "minute": 55}
